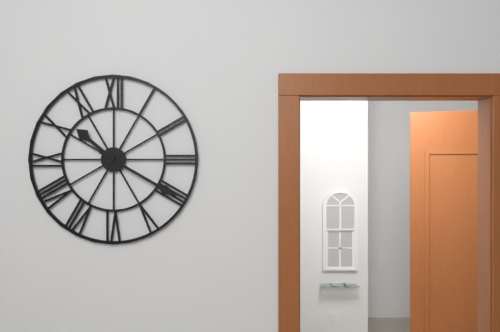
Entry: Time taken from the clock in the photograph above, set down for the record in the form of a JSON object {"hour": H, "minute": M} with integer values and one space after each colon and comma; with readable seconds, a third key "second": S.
{"hour": 10, "minute": 20}
